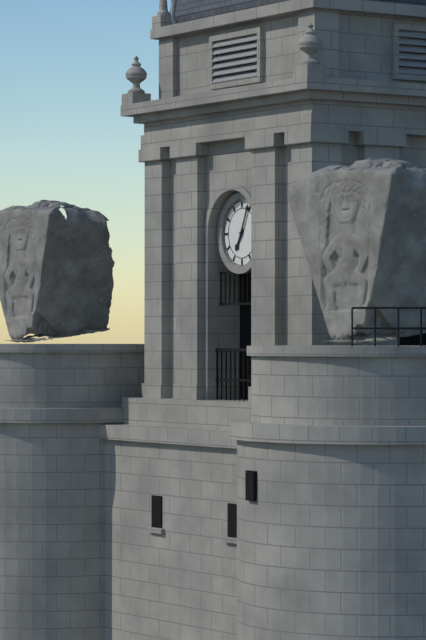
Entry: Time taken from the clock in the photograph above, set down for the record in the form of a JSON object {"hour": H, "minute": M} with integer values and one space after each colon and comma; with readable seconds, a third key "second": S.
{"hour": 7, "minute": 4}
